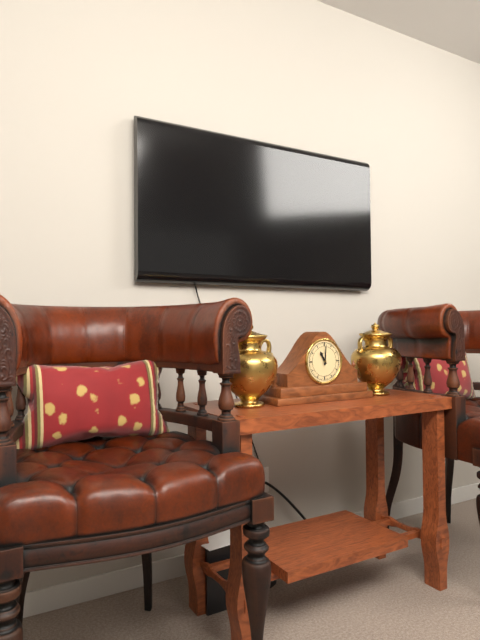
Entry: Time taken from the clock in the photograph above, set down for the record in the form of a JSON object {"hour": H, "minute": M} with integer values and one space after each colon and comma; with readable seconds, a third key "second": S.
{"hour": 11, "minute": 1}
